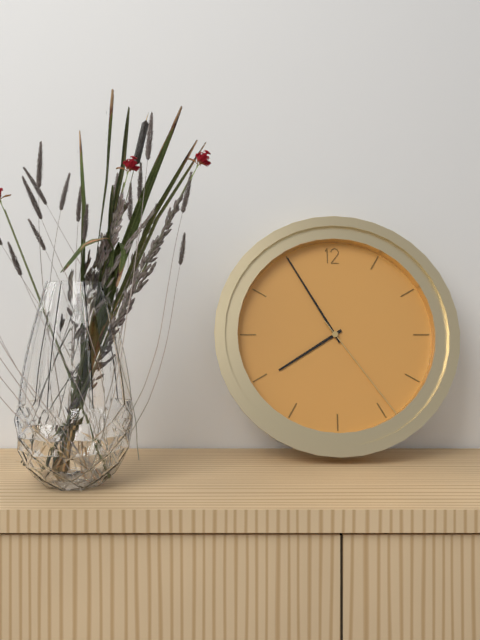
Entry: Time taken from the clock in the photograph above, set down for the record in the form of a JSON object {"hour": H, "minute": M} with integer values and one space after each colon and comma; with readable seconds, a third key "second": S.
{"hour": 7, "minute": 55, "second": 24}
